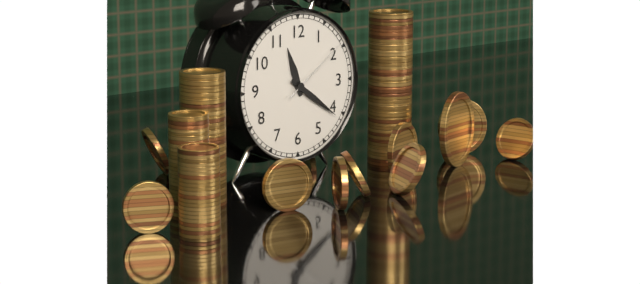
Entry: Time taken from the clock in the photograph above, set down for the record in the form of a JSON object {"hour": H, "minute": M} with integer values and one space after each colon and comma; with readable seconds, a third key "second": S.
{"hour": 11, "minute": 21, "second": 9}
